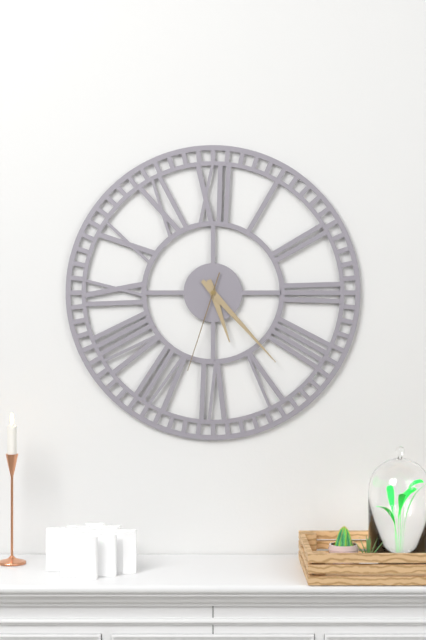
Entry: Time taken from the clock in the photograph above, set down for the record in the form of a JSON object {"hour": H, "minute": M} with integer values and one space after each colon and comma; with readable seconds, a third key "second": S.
{"hour": 5, "minute": 23, "second": 33}
